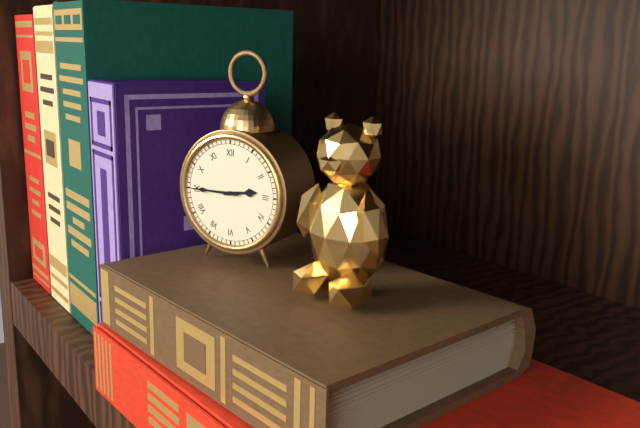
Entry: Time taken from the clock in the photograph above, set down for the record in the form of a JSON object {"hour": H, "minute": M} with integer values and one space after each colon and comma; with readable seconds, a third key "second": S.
{"hour": 2, "minute": 45}
